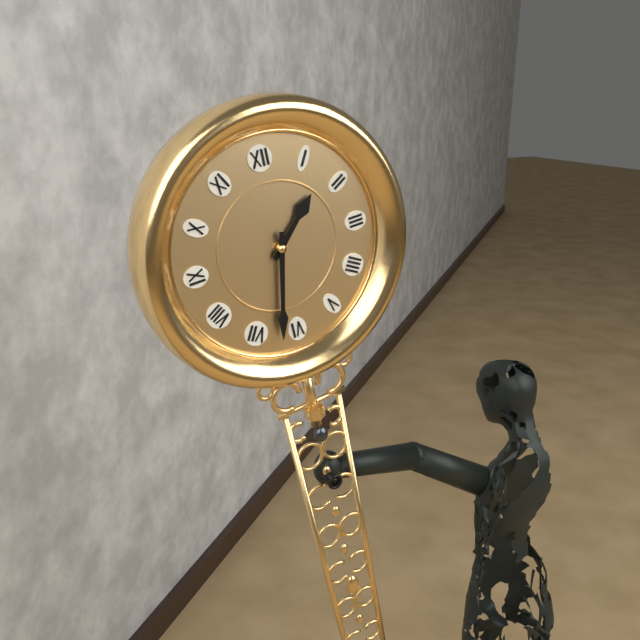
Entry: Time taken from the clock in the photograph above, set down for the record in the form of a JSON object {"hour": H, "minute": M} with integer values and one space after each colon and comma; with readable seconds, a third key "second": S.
{"hour": 1, "minute": 32}
